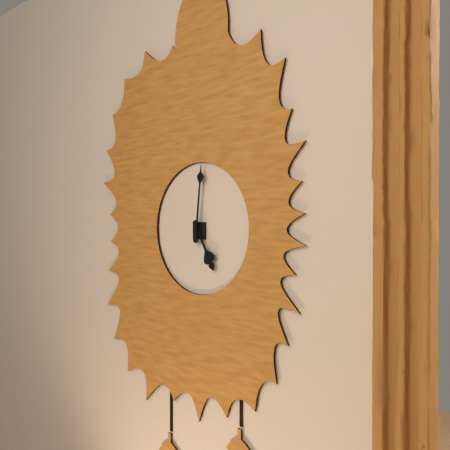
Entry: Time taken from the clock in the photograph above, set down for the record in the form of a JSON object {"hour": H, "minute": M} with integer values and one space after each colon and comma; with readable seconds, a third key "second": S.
{"hour": 5, "minute": 1}
